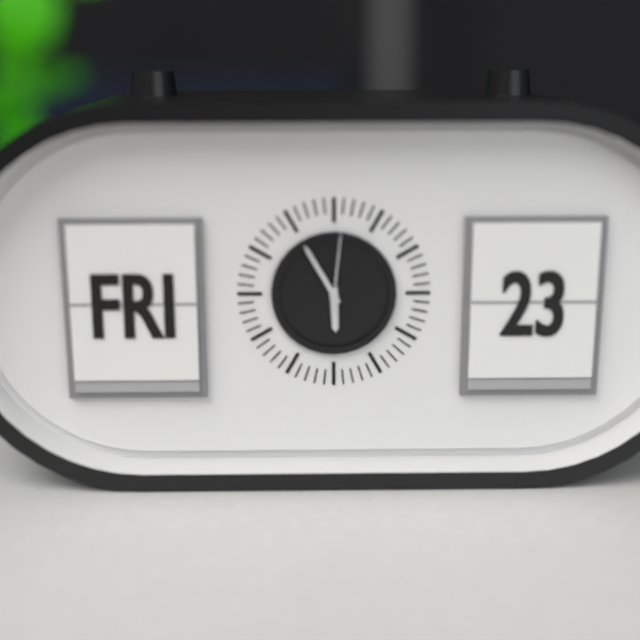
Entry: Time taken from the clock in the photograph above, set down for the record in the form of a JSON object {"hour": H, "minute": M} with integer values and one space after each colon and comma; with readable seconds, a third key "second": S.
{"hour": 5, "minute": 55, "second": 1}
